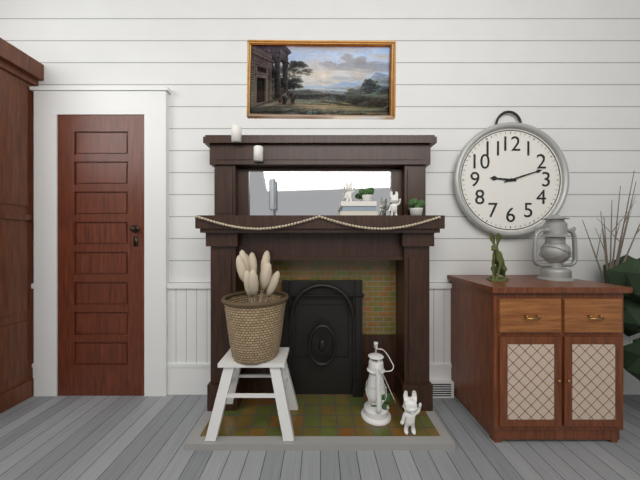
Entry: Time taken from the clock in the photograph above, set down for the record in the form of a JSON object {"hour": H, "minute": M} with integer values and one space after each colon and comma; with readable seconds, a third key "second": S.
{"hour": 9, "minute": 12}
